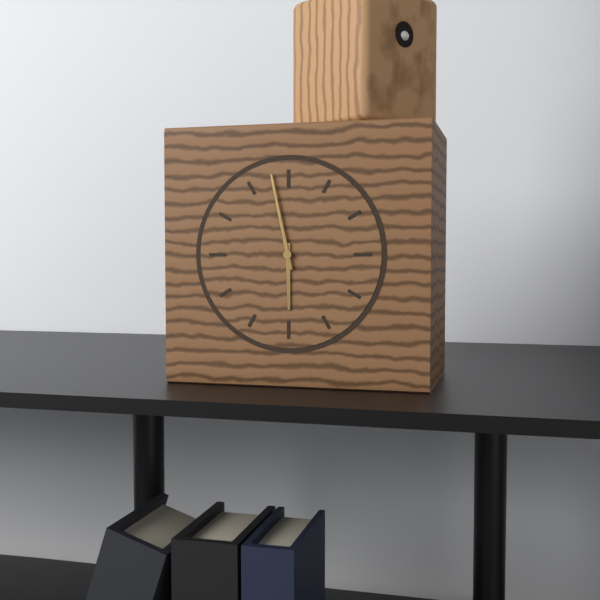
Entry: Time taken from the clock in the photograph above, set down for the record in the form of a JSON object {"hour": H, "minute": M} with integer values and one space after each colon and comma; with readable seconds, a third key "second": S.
{"hour": 5, "minute": 58}
